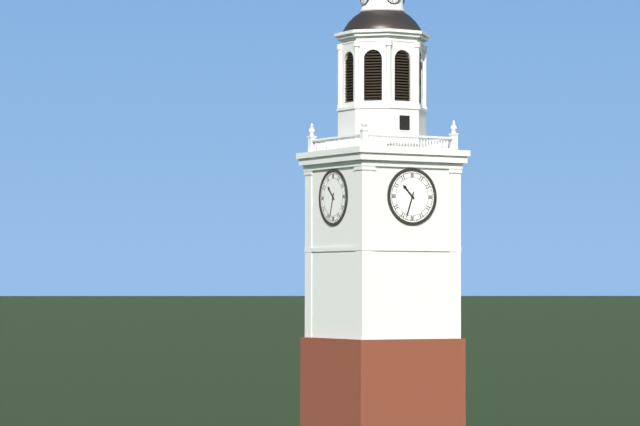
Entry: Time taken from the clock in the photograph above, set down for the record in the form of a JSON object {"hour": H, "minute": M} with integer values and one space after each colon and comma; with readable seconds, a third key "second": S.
{"hour": 10, "minute": 33}
